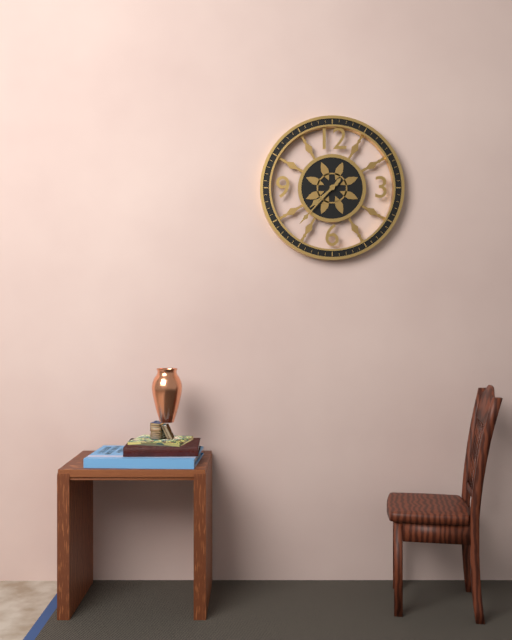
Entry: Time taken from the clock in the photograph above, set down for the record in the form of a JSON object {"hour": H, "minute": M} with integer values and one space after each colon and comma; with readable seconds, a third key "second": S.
{"hour": 7, "minute": 37}
